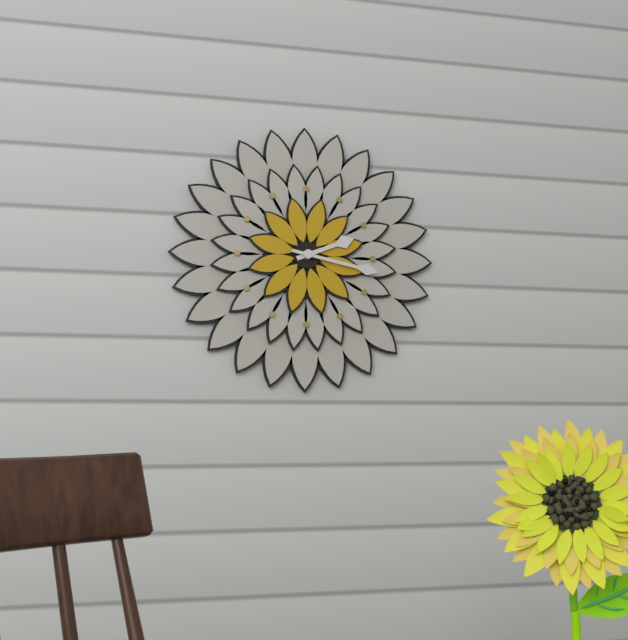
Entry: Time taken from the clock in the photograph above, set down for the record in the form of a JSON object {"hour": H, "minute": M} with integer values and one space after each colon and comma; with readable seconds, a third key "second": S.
{"hour": 2, "minute": 17}
